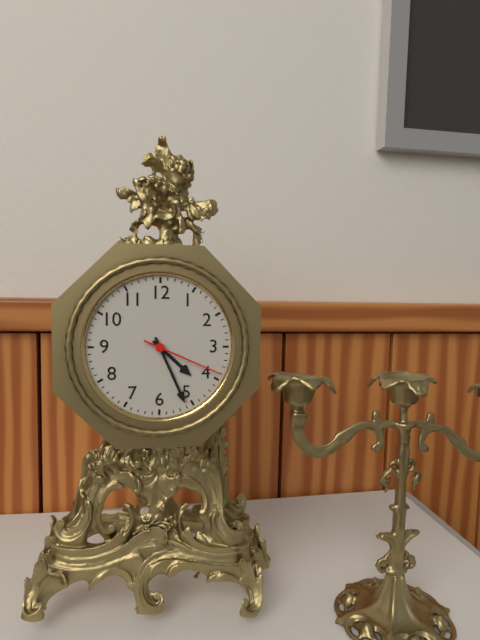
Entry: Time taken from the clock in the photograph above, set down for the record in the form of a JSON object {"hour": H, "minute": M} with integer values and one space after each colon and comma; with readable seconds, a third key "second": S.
{"hour": 4, "minute": 26, "second": 19}
